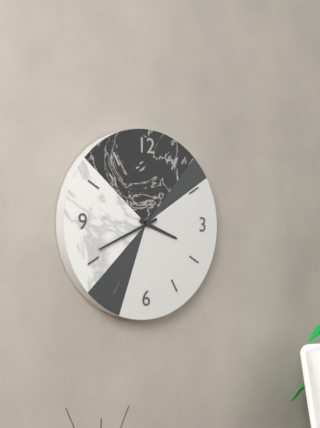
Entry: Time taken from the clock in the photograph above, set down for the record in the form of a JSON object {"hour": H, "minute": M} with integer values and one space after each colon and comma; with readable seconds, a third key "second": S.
{"hour": 3, "minute": 41}
